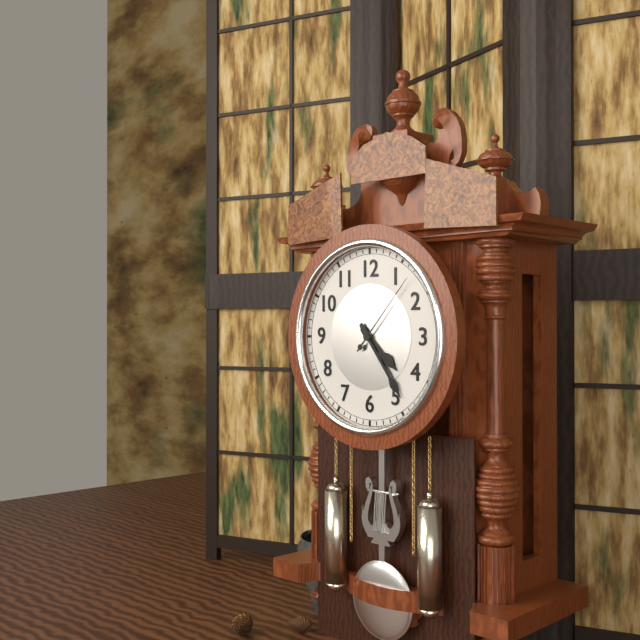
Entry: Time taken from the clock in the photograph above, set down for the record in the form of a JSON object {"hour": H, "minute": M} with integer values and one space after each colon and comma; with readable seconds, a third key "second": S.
{"hour": 4, "minute": 24, "second": 7}
